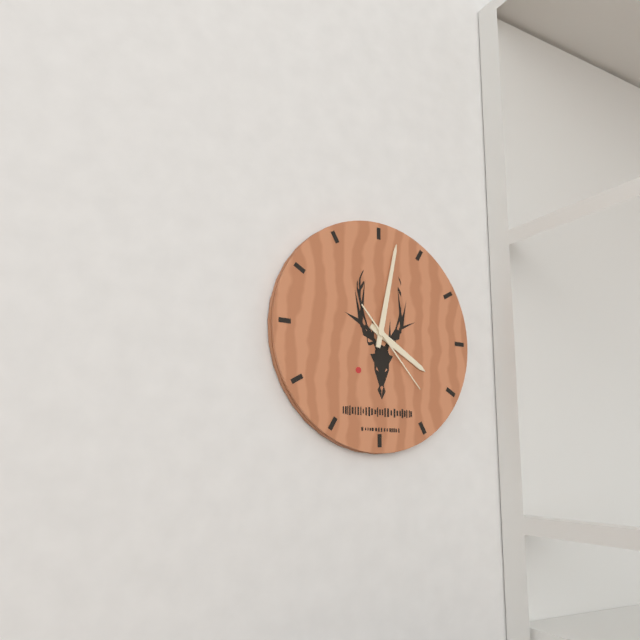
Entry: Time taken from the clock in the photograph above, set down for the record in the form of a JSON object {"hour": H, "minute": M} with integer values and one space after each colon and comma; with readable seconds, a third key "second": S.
{"hour": 4, "minute": 2, "second": 23}
